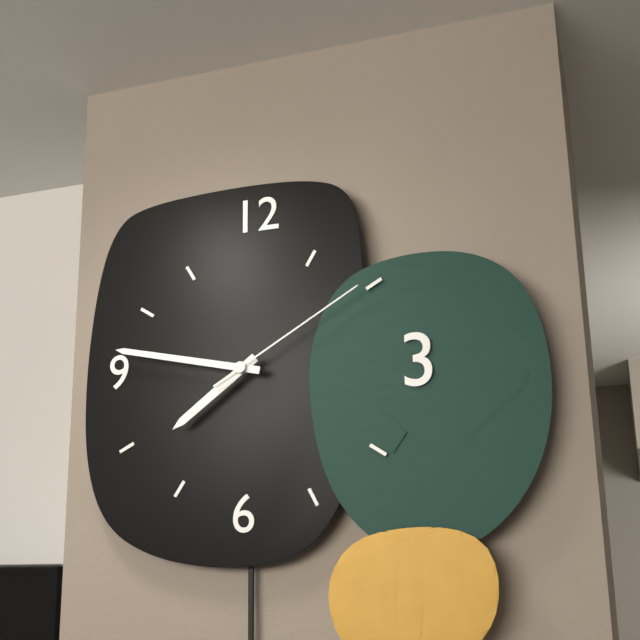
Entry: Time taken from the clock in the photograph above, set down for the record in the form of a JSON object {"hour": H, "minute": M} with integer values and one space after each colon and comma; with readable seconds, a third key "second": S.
{"hour": 7, "minute": 47, "second": 10}
